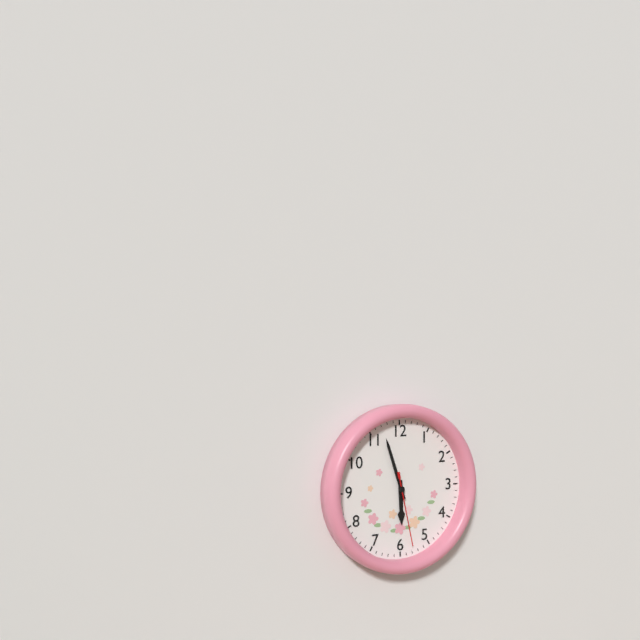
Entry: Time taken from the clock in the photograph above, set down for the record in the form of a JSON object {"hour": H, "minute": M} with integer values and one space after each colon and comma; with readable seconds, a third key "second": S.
{"hour": 5, "minute": 57, "second": 28}
